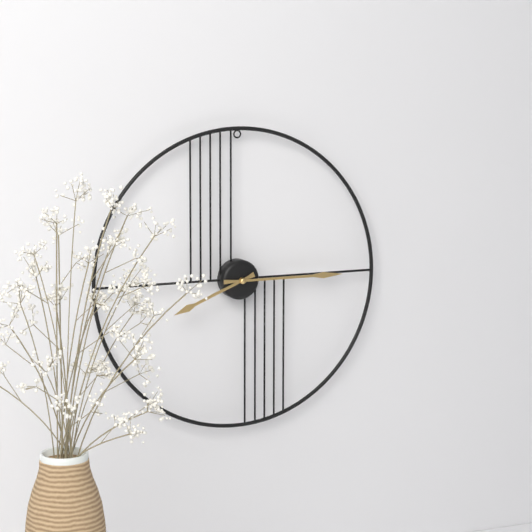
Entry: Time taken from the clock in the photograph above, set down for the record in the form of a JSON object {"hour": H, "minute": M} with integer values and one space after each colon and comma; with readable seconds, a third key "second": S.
{"hour": 8, "minute": 15}
